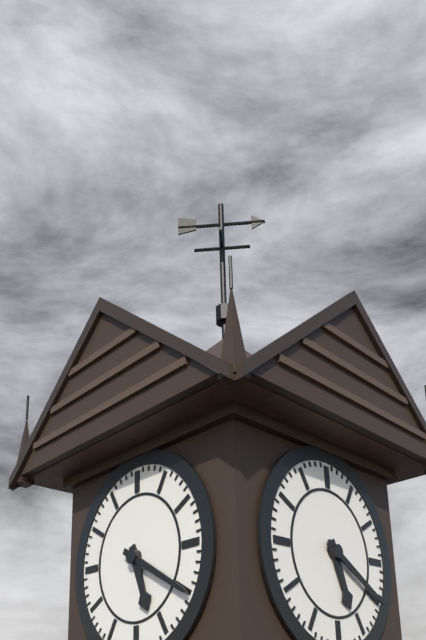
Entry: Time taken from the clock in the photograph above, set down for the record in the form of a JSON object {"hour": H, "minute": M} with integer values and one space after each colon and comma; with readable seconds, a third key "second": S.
{"hour": 5, "minute": 20}
